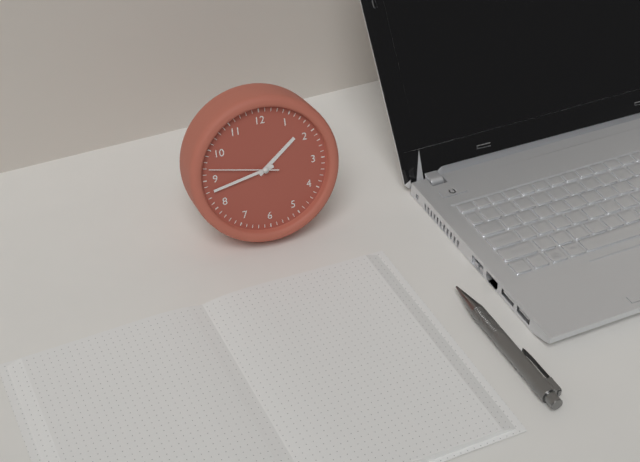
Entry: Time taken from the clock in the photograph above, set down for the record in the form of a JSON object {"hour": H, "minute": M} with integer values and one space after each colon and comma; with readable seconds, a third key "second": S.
{"hour": 1, "minute": 43, "second": 47}
